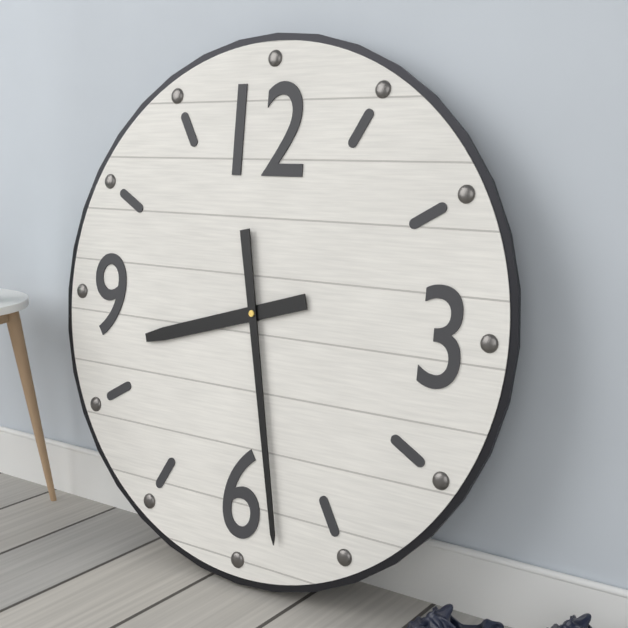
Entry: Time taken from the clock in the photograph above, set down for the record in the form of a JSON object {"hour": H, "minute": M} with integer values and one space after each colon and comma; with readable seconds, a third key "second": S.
{"hour": 8, "minute": 28}
